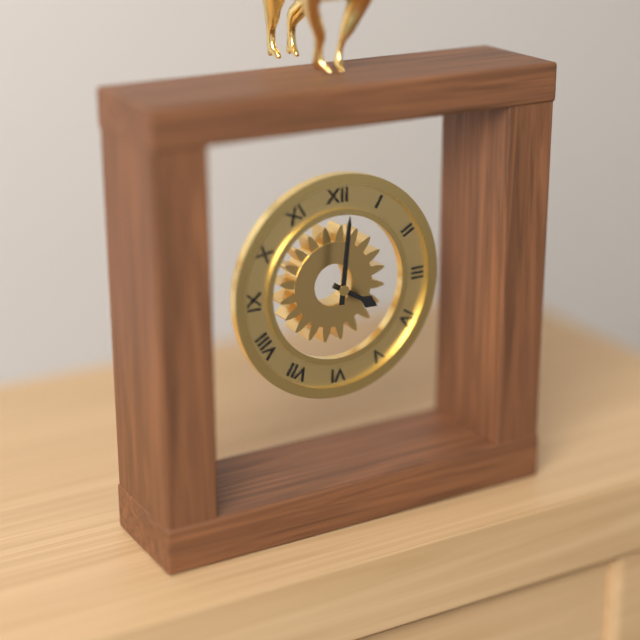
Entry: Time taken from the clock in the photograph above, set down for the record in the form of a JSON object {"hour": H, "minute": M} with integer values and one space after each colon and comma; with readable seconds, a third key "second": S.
{"hour": 4, "minute": 1}
